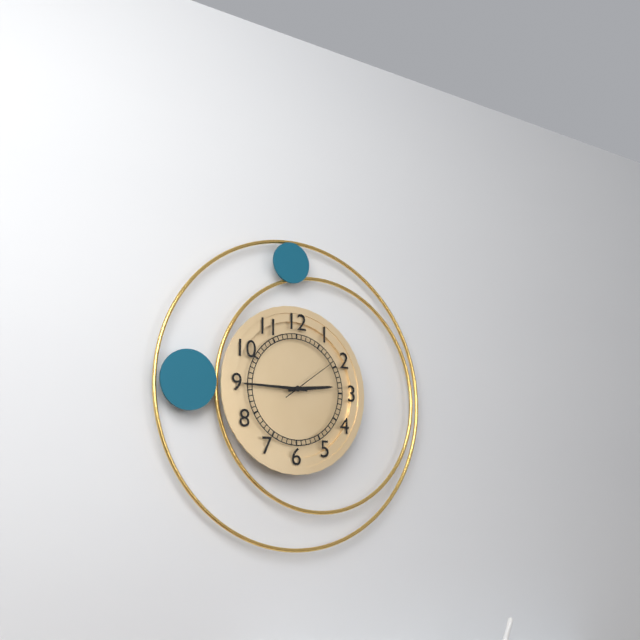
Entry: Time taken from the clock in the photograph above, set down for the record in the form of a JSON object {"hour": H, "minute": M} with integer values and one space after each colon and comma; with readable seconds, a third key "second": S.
{"hour": 2, "minute": 45, "second": 9}
